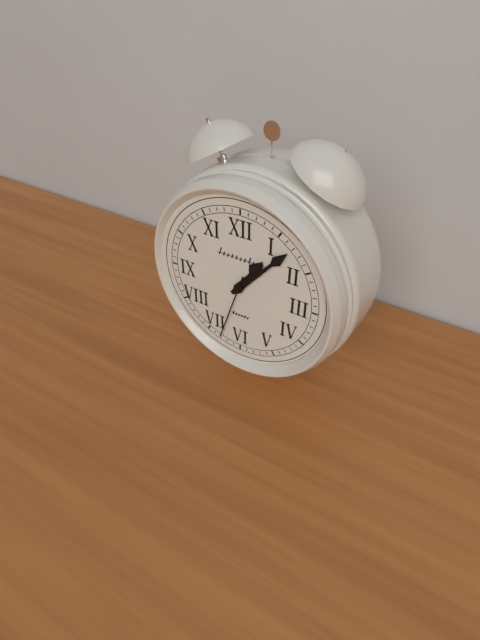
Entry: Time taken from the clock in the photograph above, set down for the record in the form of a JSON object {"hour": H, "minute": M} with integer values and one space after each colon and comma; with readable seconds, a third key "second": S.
{"hour": 1, "minute": 7, "second": 33}
